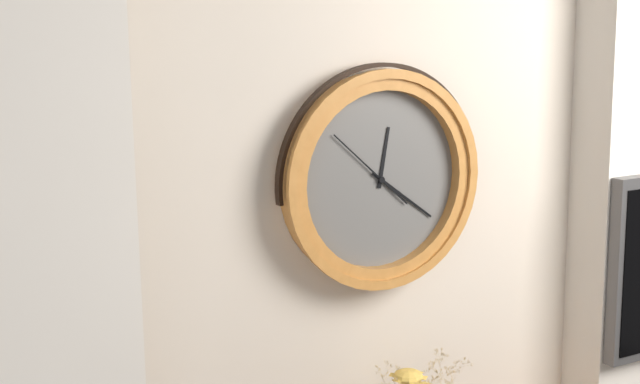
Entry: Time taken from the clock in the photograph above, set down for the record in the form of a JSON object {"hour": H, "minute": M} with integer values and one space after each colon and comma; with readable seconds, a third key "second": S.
{"hour": 12, "minute": 21, "second": 52}
